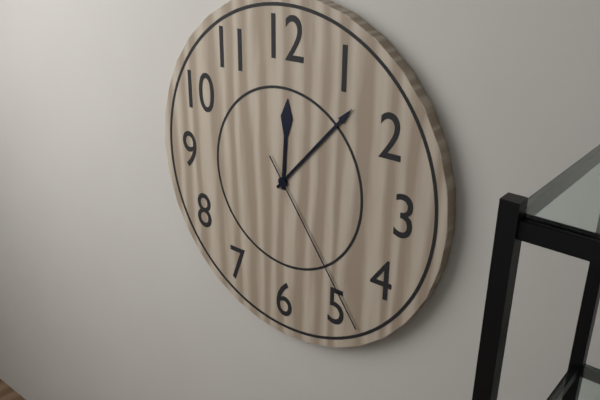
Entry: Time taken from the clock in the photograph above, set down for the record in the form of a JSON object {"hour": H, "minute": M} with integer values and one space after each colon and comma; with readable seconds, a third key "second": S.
{"hour": 12, "minute": 7, "second": 24}
